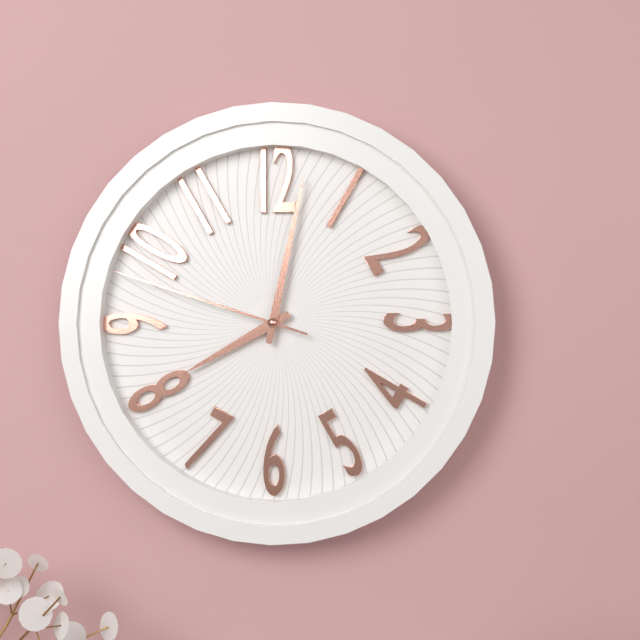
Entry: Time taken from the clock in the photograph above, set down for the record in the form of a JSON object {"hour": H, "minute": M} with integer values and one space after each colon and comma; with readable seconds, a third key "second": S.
{"hour": 8, "minute": 2, "second": 48}
